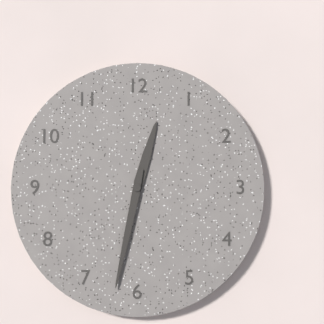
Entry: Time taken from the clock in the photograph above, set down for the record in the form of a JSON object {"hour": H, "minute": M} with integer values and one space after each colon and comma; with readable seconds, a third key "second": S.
{"hour": 12, "minute": 32}
